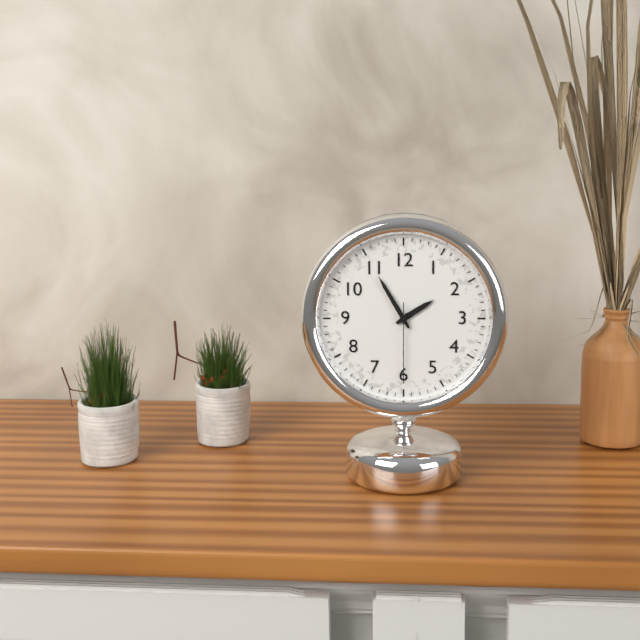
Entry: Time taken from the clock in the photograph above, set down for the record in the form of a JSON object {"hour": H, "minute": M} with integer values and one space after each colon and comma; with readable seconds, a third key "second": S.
{"hour": 1, "minute": 55, "second": 30}
